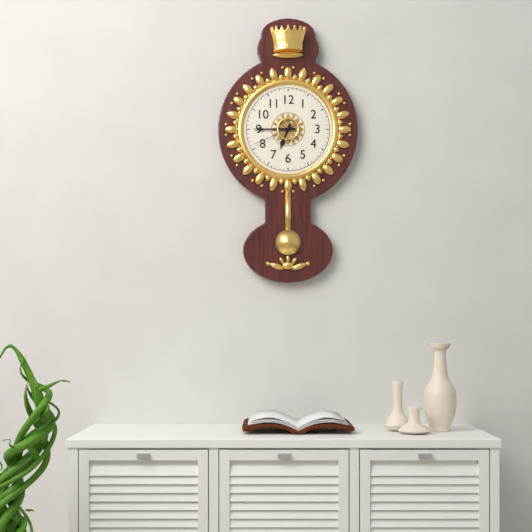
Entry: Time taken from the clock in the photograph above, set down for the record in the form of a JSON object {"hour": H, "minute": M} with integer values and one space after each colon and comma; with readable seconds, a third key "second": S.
{"hour": 6, "minute": 45}
